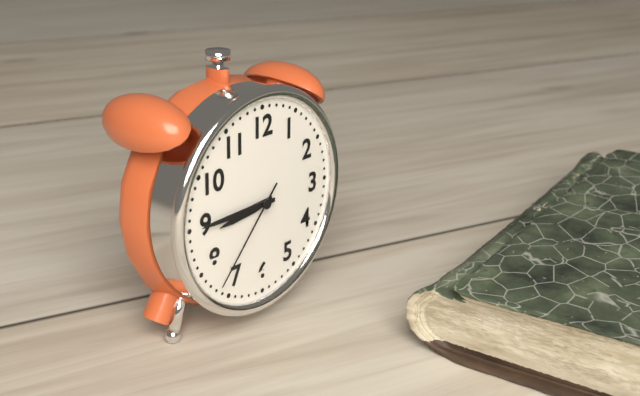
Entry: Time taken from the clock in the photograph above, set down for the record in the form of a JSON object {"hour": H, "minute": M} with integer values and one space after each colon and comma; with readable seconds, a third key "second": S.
{"hour": 8, "minute": 45, "second": 37}
